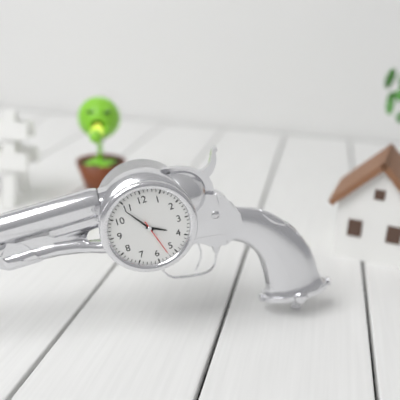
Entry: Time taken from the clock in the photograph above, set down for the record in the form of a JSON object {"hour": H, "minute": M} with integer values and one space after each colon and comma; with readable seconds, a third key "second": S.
{"hour": 3, "minute": 54}
